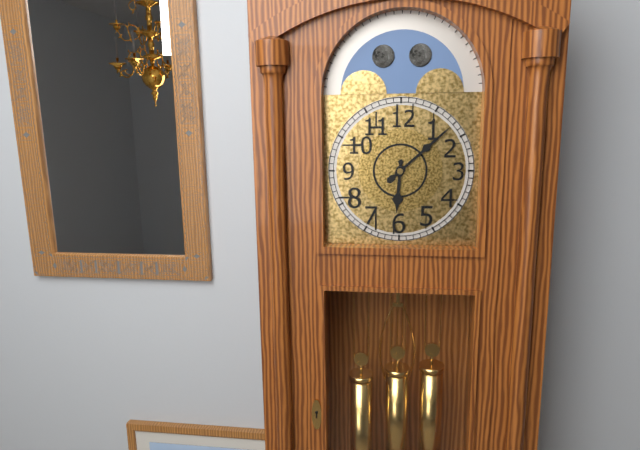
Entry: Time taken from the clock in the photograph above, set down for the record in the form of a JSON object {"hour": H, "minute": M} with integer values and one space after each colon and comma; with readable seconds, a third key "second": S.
{"hour": 6, "minute": 8}
